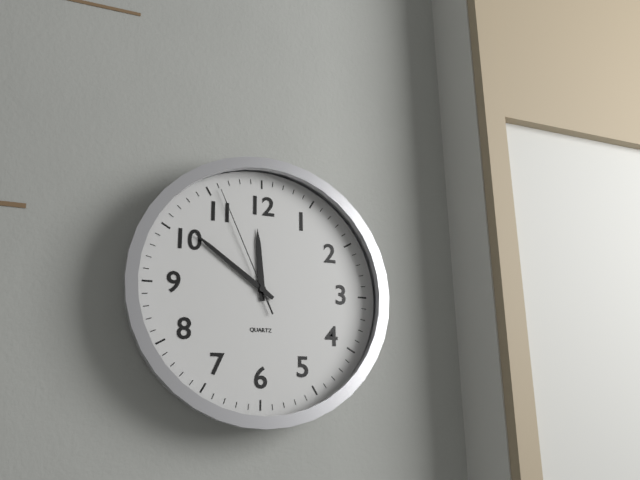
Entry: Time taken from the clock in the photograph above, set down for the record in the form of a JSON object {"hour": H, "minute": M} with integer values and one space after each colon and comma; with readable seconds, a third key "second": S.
{"hour": 11, "minute": 51, "second": 56}
